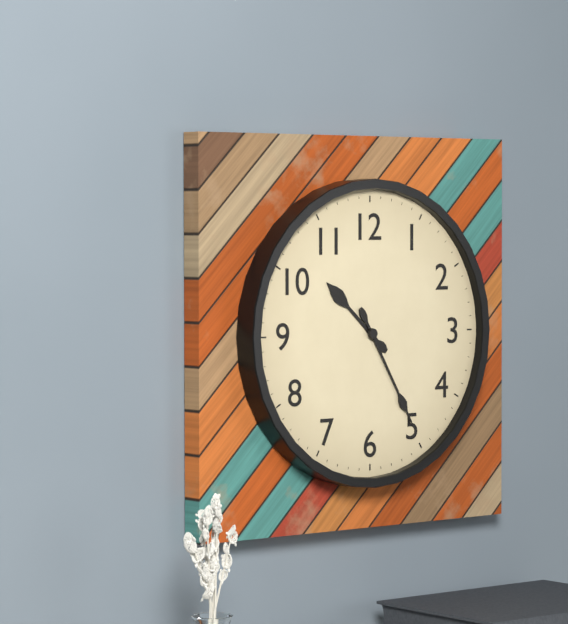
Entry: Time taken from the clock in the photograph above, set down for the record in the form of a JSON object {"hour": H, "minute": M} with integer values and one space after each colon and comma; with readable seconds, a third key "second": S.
{"hour": 10, "minute": 25}
